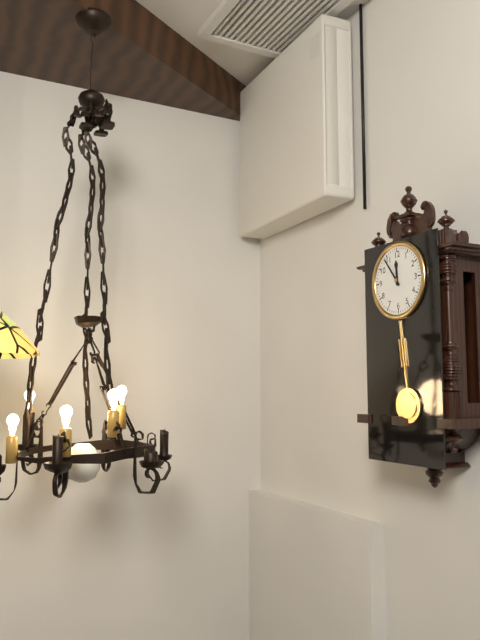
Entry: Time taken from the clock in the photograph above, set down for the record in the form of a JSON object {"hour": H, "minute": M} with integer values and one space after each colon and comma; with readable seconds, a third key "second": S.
{"hour": 11, "minute": 54}
